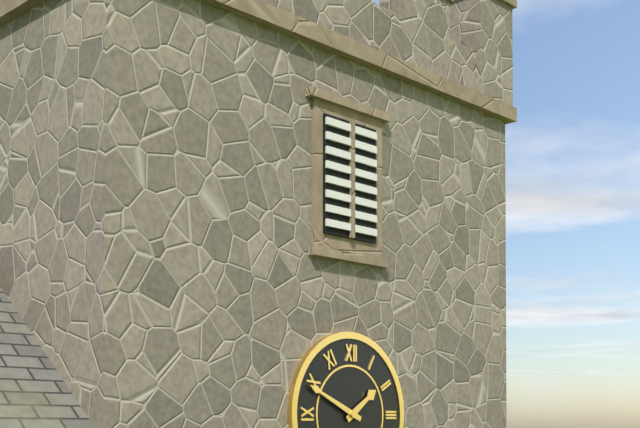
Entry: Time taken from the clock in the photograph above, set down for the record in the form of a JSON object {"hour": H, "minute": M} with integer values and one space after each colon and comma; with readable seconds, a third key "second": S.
{"hour": 1, "minute": 49}
